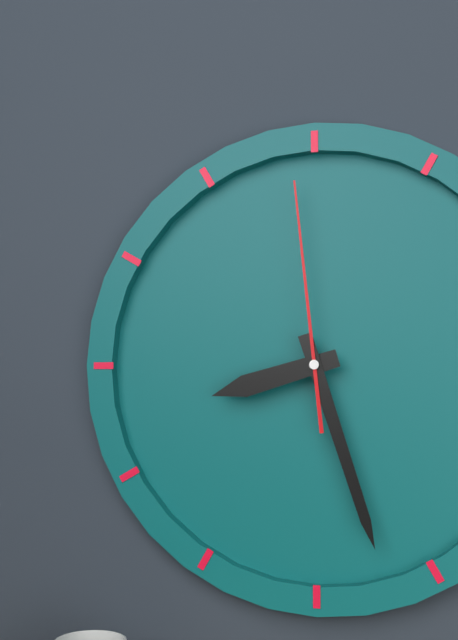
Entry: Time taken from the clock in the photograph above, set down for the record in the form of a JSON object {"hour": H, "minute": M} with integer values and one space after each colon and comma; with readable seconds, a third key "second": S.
{"hour": 8, "minute": 27, "second": 59}
